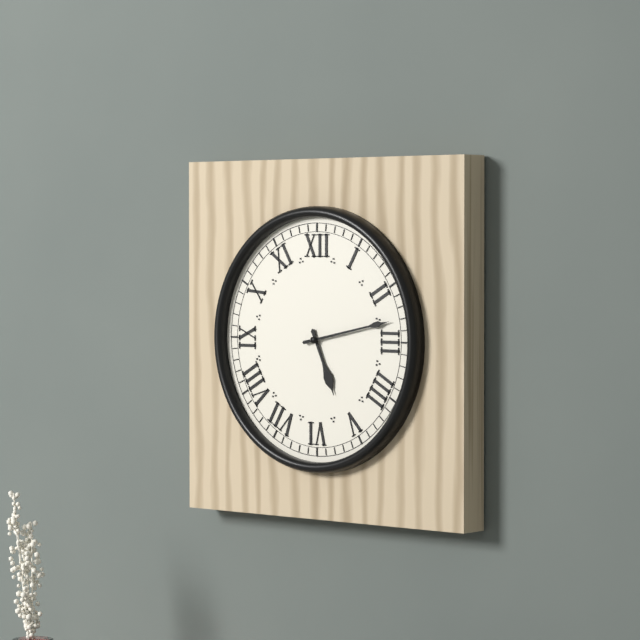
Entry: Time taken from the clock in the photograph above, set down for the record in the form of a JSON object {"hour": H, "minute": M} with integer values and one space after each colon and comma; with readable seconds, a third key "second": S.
{"hour": 5, "minute": 13}
